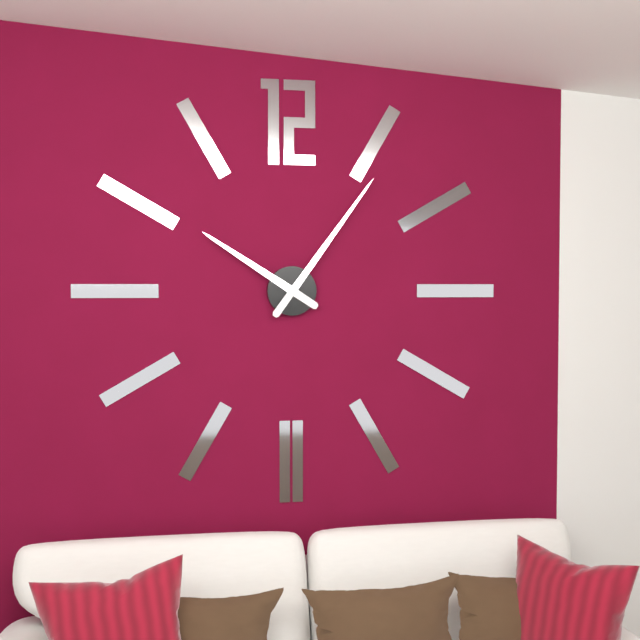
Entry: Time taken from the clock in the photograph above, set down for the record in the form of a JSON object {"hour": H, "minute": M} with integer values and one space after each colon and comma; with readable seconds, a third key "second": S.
{"hour": 10, "minute": 6}
